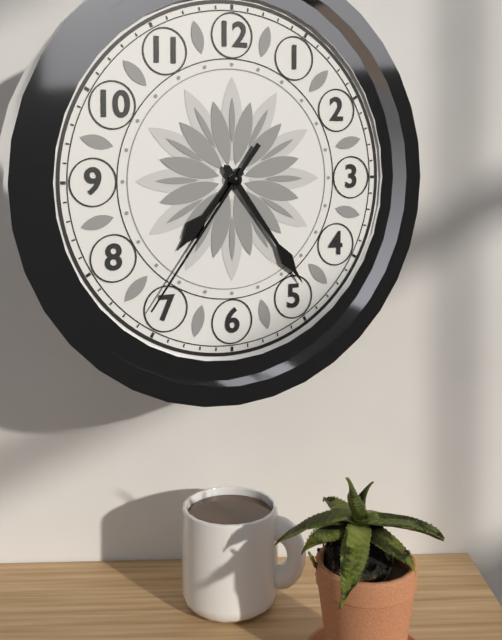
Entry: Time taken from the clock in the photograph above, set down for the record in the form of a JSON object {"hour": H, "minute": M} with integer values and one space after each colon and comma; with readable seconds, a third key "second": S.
{"hour": 7, "minute": 24, "second": 36}
